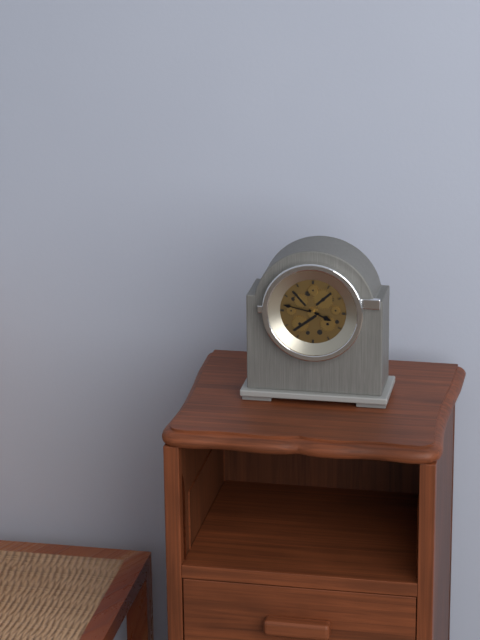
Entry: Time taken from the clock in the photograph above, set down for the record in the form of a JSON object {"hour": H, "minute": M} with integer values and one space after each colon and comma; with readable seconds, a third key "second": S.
{"hour": 3, "minute": 47}
